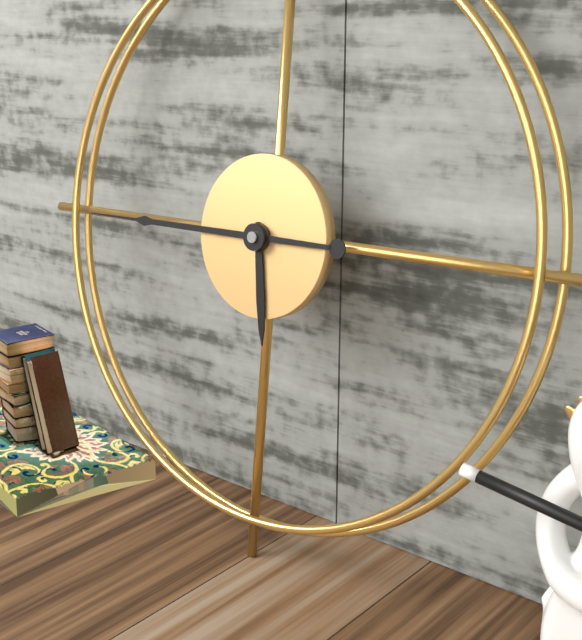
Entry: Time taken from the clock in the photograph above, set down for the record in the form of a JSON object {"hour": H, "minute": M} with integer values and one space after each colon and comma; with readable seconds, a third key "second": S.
{"hour": 5, "minute": 45}
